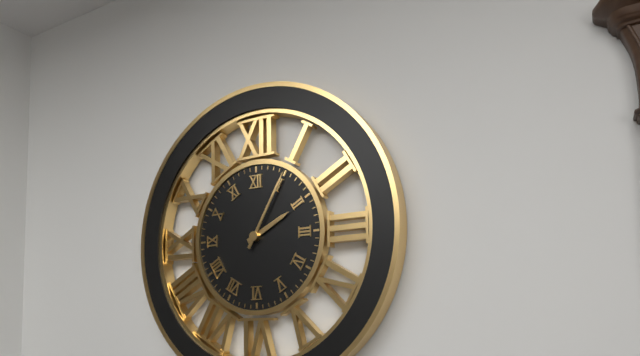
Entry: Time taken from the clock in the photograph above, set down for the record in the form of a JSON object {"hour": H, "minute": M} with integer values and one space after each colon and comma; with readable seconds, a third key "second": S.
{"hour": 2, "minute": 5}
